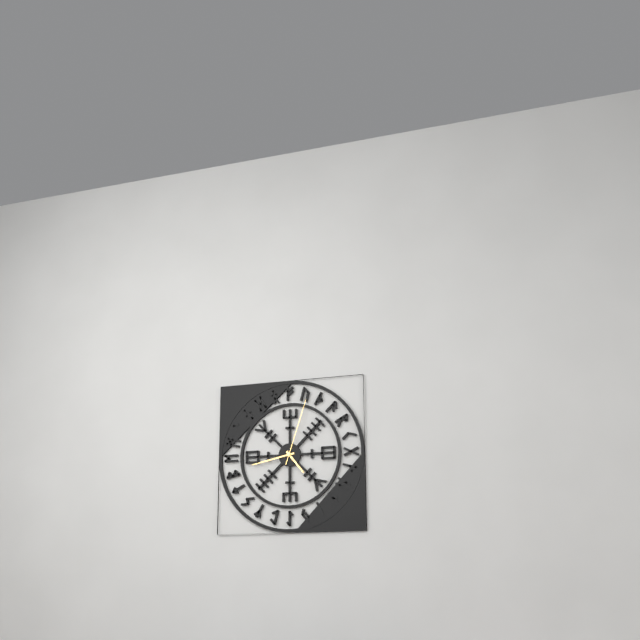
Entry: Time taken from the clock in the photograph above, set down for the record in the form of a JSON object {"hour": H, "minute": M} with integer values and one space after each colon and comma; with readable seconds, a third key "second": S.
{"hour": 4, "minute": 43, "second": 3}
